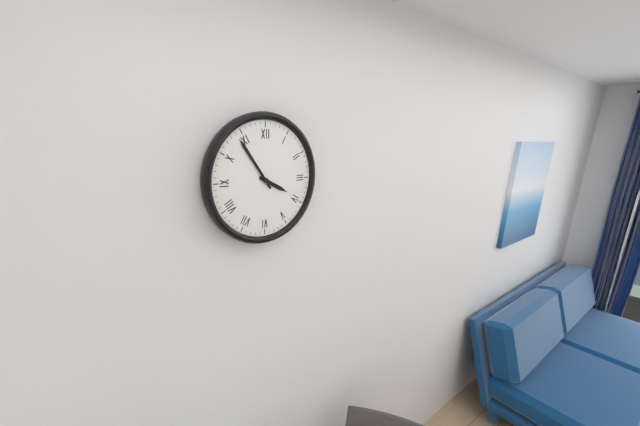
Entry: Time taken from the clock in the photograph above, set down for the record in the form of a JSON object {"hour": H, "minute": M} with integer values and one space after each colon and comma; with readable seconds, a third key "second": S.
{"hour": 3, "minute": 54}
